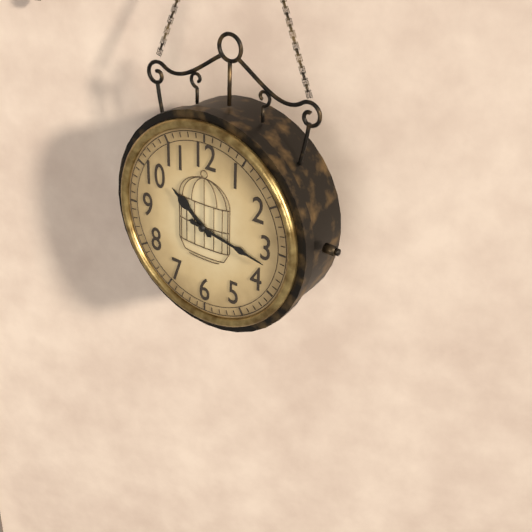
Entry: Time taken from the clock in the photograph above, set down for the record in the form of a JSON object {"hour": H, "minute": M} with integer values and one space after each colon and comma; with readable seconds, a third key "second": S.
{"hour": 10, "minute": 17}
